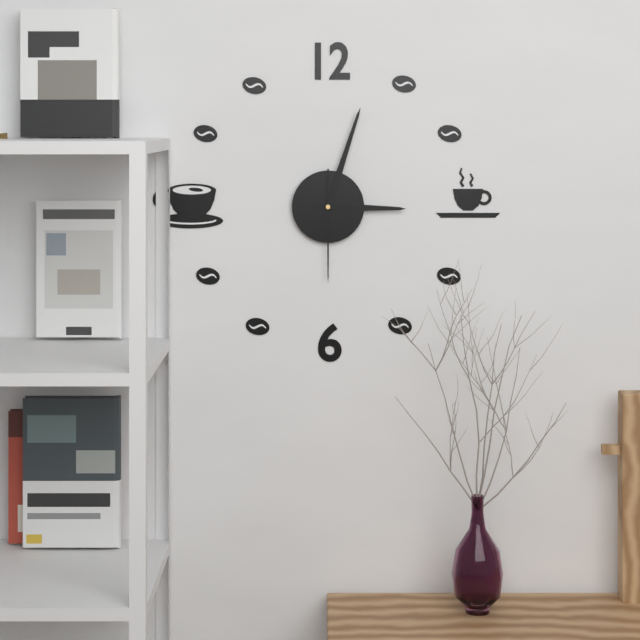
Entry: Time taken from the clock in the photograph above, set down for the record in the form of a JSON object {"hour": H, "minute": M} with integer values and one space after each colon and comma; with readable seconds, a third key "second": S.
{"hour": 3, "minute": 3, "second": 30}
